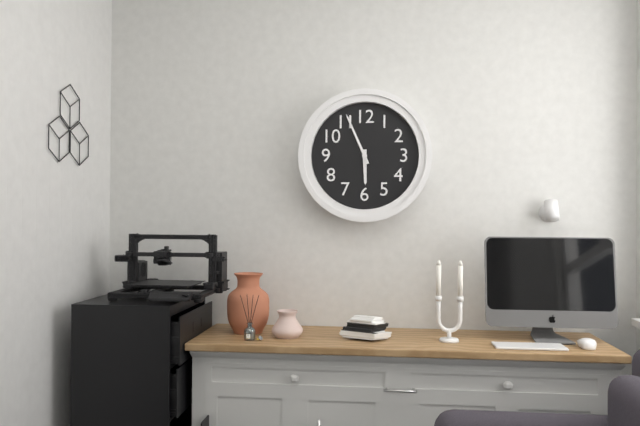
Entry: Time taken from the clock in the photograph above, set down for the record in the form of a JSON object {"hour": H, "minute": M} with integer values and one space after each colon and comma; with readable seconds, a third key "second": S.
{"hour": 5, "minute": 56}
